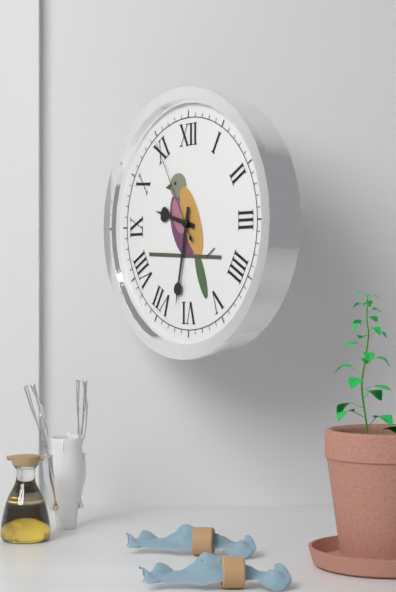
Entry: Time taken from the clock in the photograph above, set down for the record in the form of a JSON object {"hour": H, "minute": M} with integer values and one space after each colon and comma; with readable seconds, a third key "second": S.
{"hour": 9, "minute": 32, "second": 55}
